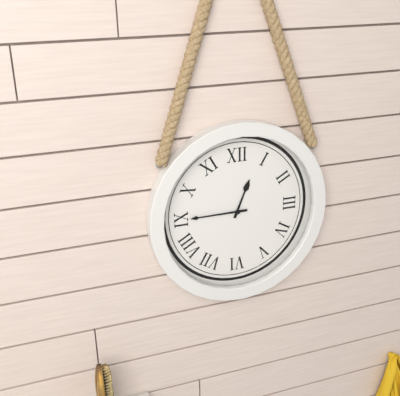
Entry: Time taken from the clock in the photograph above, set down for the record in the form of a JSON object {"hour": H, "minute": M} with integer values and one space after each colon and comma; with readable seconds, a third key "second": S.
{"hour": 12, "minute": 45}
